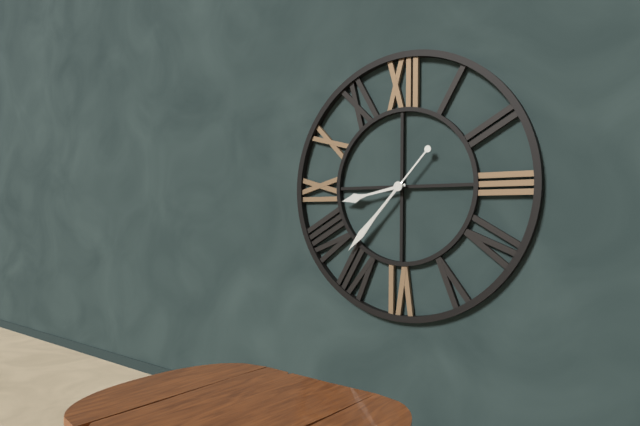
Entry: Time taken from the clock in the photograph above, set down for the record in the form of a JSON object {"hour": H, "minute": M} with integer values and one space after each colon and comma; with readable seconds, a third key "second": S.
{"hour": 8, "minute": 37}
